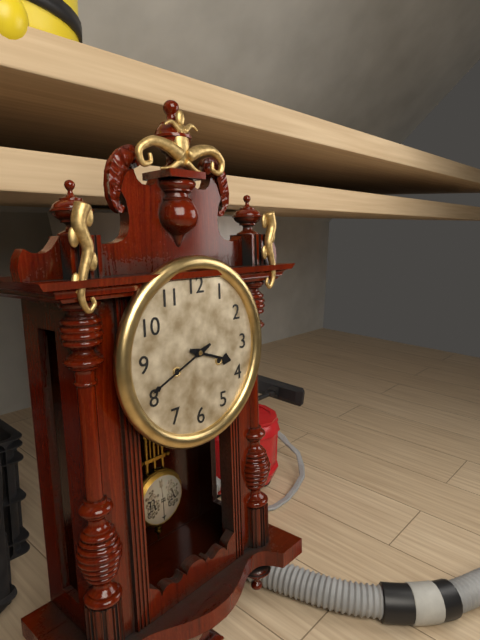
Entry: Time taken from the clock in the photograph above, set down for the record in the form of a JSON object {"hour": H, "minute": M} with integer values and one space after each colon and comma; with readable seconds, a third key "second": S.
{"hour": 3, "minute": 41}
